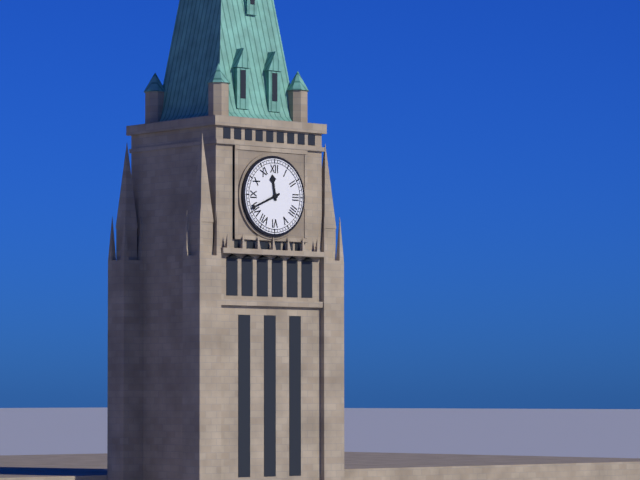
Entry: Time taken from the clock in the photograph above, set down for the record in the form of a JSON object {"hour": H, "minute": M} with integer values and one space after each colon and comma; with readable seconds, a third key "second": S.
{"hour": 11, "minute": 41}
